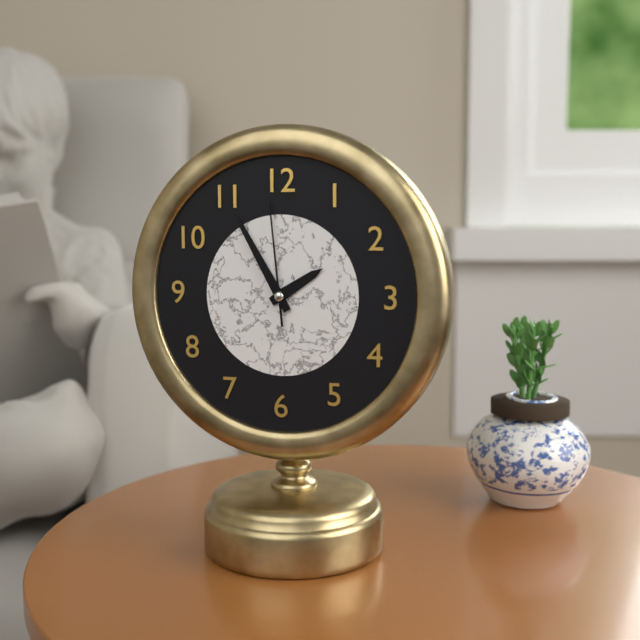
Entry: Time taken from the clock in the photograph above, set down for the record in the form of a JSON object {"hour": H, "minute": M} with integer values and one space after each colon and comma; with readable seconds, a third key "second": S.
{"hour": 1, "minute": 55, "second": 59}
